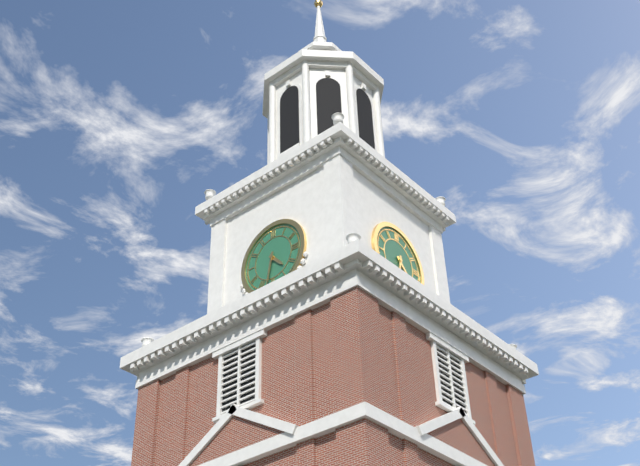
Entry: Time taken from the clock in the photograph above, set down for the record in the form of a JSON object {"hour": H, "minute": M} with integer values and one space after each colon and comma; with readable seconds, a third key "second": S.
{"hour": 4, "minute": 32}
